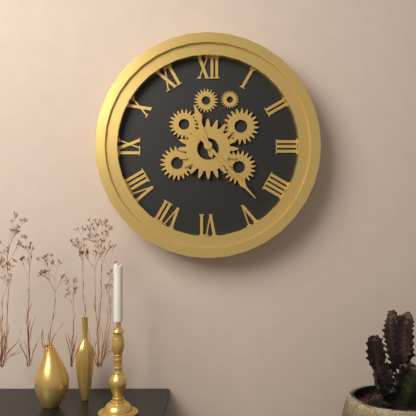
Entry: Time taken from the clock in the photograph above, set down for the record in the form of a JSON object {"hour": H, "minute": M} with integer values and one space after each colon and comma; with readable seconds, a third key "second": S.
{"hour": 11, "minute": 23}
